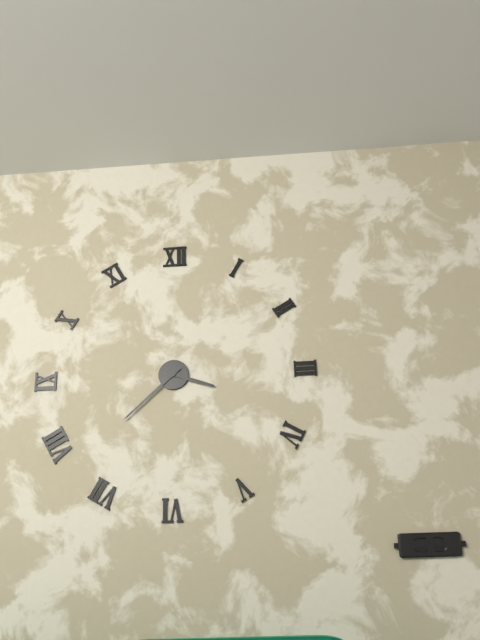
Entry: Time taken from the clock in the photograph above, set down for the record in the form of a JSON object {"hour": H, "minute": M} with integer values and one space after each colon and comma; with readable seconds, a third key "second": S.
{"hour": 3, "minute": 38}
